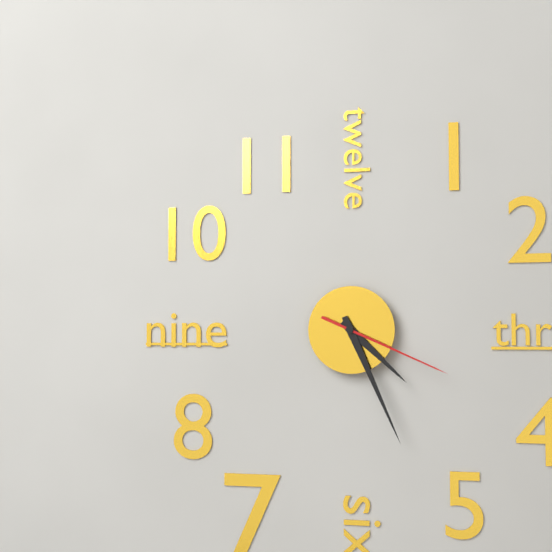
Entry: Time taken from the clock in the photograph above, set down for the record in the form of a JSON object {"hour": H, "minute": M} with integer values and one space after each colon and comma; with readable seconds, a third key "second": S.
{"hour": 4, "minute": 26, "second": 19}
